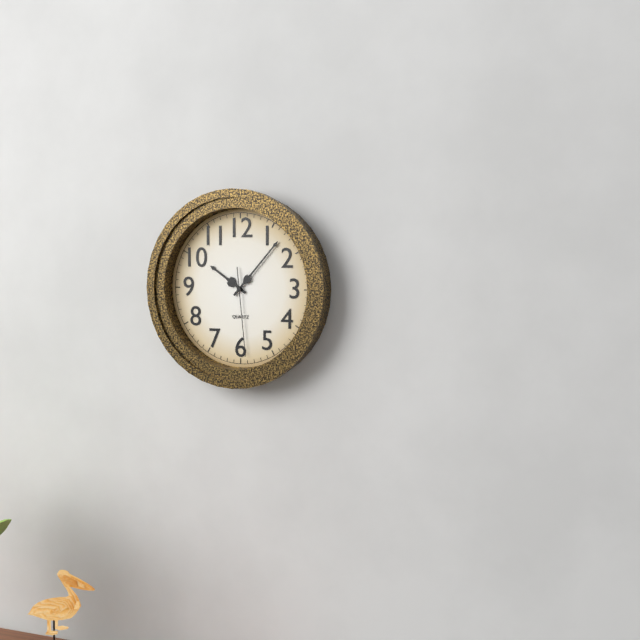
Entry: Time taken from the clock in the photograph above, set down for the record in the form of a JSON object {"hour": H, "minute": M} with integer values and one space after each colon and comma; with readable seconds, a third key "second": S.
{"hour": 10, "minute": 7, "second": 29}
